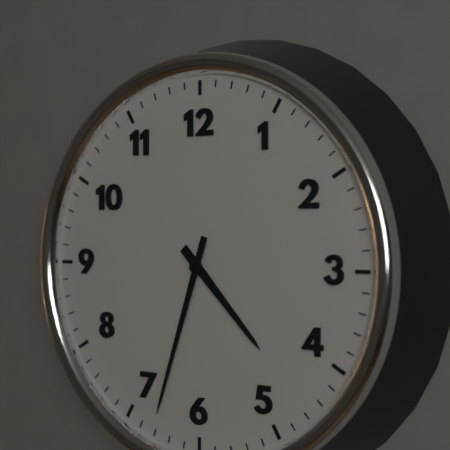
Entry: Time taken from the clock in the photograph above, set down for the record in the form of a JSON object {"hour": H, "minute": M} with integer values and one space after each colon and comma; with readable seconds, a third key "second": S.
{"hour": 4, "minute": 33}
